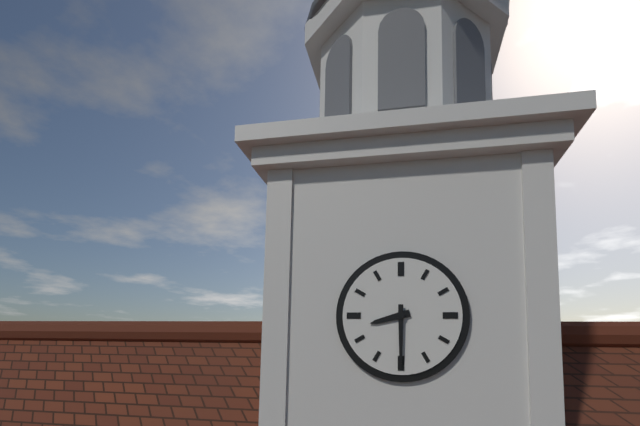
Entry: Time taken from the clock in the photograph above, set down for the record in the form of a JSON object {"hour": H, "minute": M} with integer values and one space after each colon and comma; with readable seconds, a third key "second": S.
{"hour": 8, "minute": 30}
